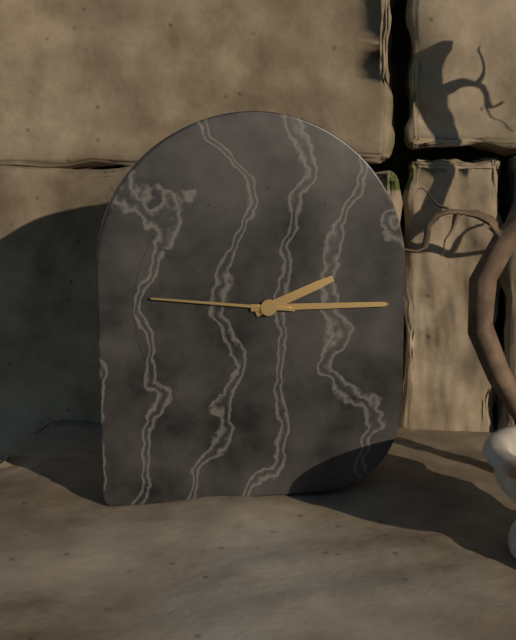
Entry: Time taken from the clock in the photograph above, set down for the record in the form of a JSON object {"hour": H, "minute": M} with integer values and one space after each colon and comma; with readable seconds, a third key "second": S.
{"hour": 2, "minute": 15, "second": 46}
